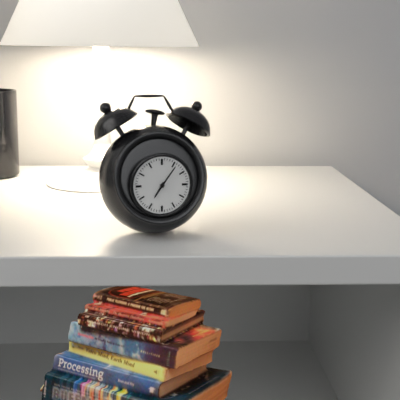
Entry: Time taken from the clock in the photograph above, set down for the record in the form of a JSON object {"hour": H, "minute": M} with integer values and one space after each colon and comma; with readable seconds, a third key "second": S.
{"hour": 7, "minute": 6}
